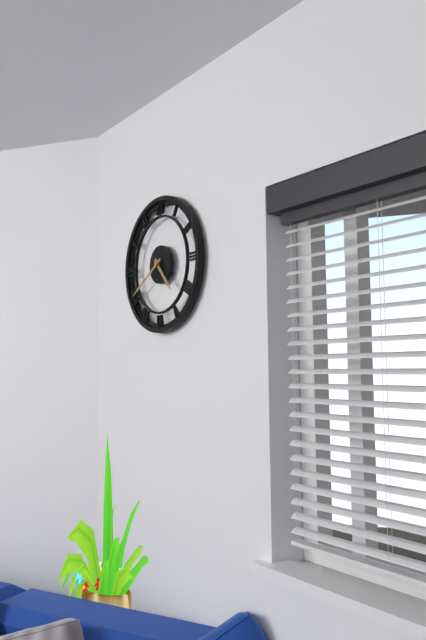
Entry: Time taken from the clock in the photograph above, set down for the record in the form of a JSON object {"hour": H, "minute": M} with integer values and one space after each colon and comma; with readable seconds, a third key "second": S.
{"hour": 4, "minute": 40}
